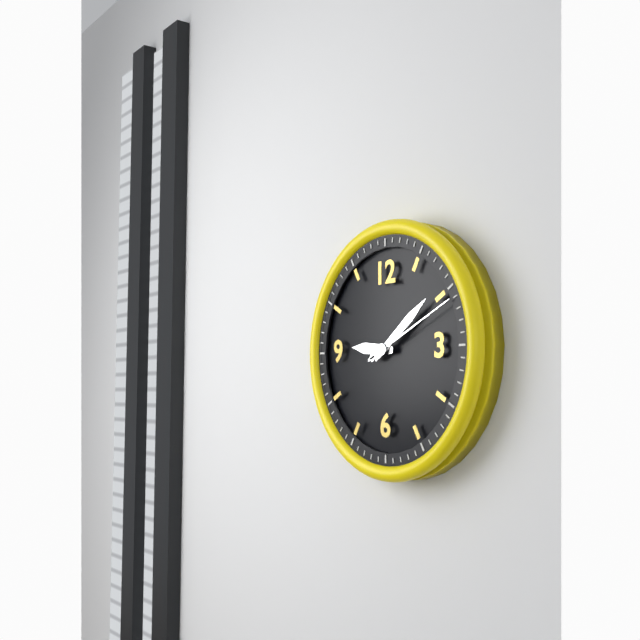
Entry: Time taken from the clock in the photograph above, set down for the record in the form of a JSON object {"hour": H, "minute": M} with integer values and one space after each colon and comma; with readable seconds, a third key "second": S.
{"hour": 9, "minute": 9, "second": 11}
